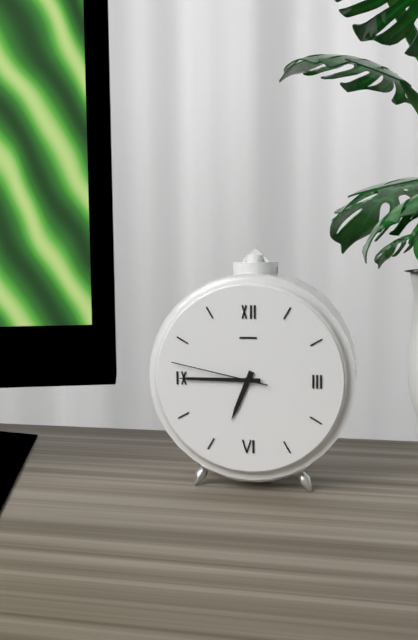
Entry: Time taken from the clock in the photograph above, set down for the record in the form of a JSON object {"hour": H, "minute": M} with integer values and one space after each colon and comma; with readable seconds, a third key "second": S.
{"hour": 6, "minute": 45, "second": 47}
